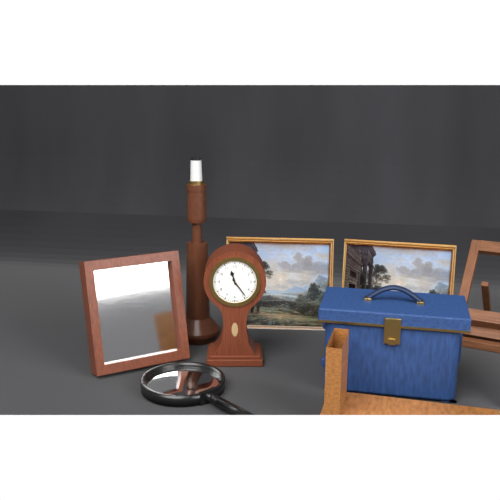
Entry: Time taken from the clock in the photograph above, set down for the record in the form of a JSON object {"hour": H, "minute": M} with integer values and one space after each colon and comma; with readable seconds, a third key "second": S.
{"hour": 11, "minute": 24}
